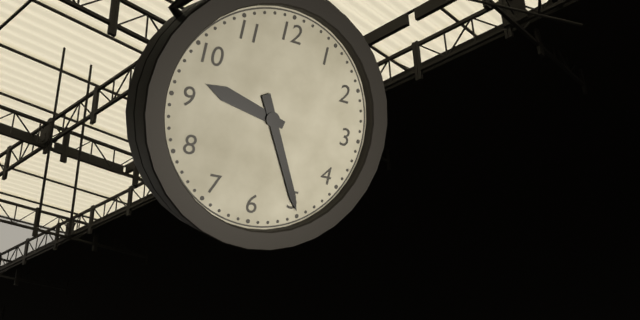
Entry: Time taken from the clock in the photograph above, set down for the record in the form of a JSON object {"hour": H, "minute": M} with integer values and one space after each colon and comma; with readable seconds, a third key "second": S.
{"hour": 9, "minute": 25}
